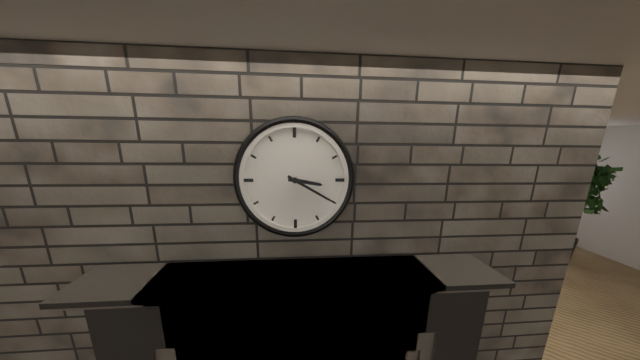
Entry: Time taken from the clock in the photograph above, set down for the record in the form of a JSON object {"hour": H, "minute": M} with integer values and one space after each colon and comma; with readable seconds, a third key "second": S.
{"hour": 3, "minute": 20}
